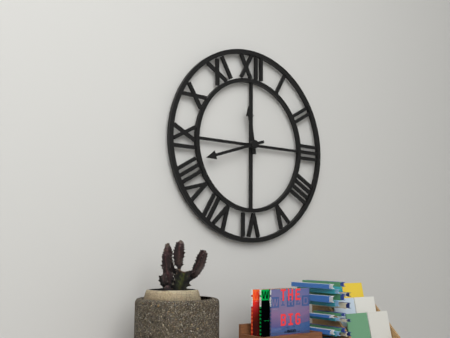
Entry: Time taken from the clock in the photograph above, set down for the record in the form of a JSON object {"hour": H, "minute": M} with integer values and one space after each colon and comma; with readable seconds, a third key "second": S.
{"hour": 11, "minute": 42}
